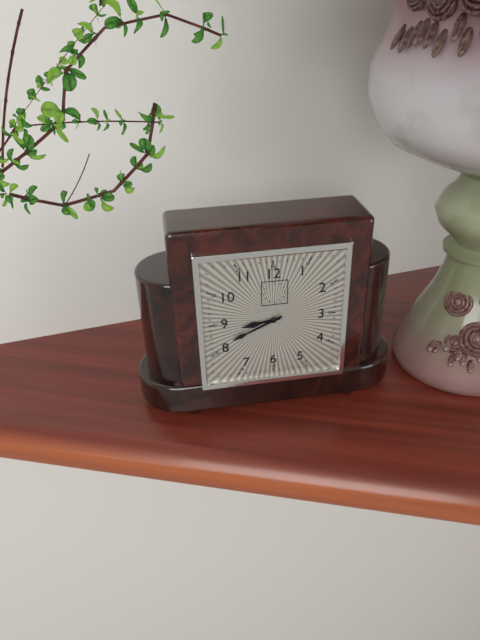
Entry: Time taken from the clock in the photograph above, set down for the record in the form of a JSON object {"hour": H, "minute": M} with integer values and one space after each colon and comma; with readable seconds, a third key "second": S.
{"hour": 8, "minute": 41}
